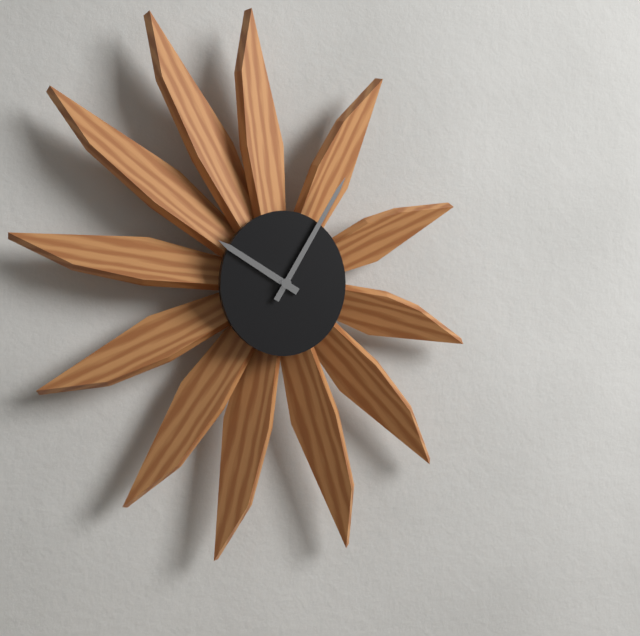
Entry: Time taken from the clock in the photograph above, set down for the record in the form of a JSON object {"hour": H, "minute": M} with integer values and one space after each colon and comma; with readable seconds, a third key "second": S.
{"hour": 10, "minute": 5}
